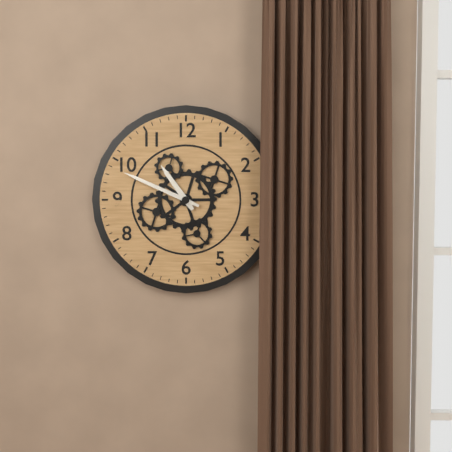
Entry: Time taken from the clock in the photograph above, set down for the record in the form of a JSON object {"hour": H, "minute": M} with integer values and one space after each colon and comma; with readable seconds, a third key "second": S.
{"hour": 10, "minute": 49}
